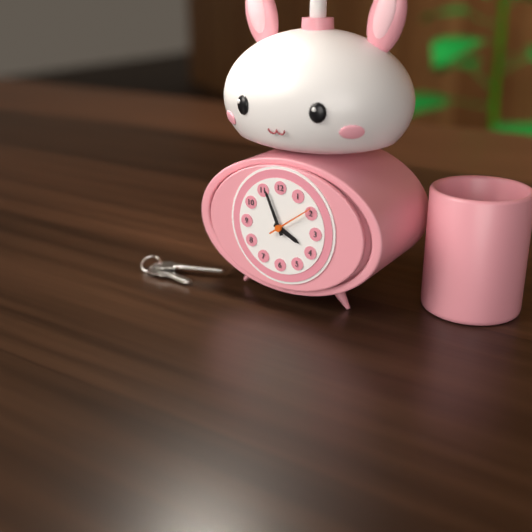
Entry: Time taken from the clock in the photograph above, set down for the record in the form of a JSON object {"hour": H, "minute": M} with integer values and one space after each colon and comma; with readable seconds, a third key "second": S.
{"hour": 3, "minute": 56}
